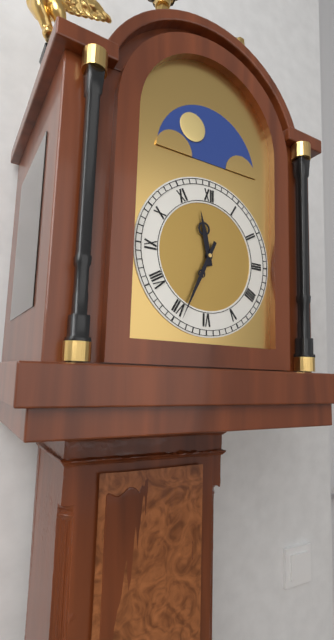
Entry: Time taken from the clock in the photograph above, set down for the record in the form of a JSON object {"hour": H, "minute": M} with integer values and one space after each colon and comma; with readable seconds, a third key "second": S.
{"hour": 11, "minute": 34}
